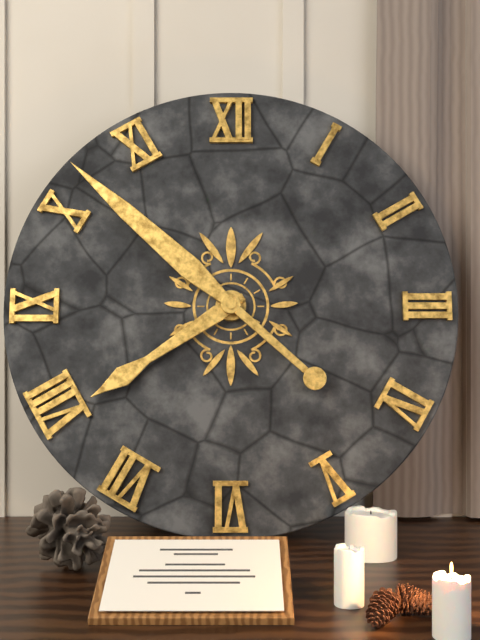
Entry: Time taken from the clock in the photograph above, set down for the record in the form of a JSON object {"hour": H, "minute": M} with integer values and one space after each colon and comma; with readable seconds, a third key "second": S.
{"hour": 7, "minute": 52}
